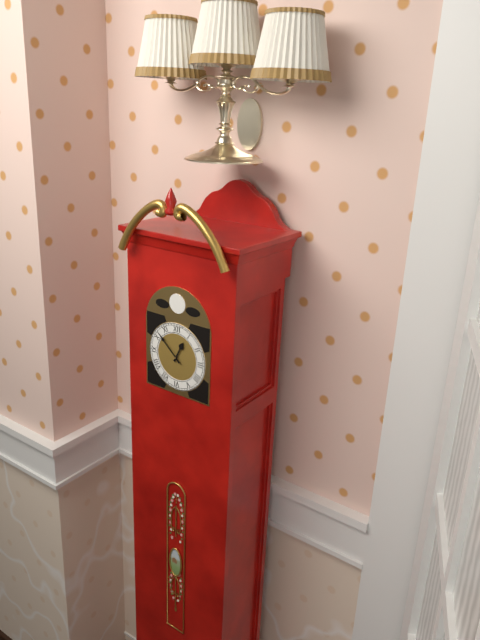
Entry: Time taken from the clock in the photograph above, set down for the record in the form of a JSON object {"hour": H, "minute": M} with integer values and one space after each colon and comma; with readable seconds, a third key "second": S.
{"hour": 12, "minute": 52}
